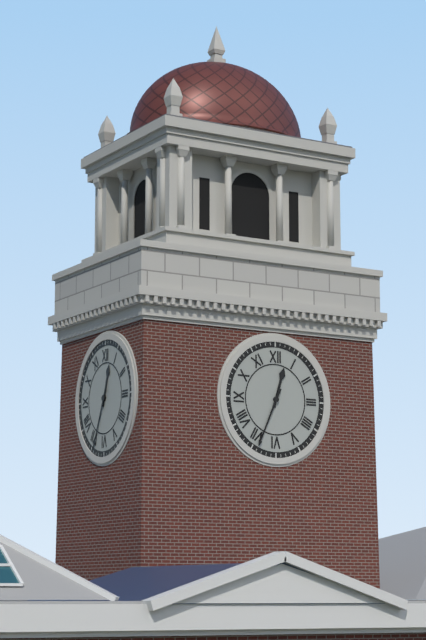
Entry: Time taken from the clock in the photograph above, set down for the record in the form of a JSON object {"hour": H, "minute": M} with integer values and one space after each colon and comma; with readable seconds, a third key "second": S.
{"hour": 12, "minute": 34}
